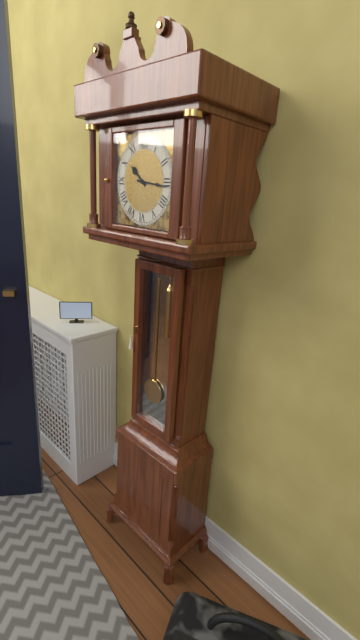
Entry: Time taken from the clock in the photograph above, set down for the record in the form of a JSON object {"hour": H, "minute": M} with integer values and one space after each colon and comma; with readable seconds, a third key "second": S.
{"hour": 10, "minute": 16}
